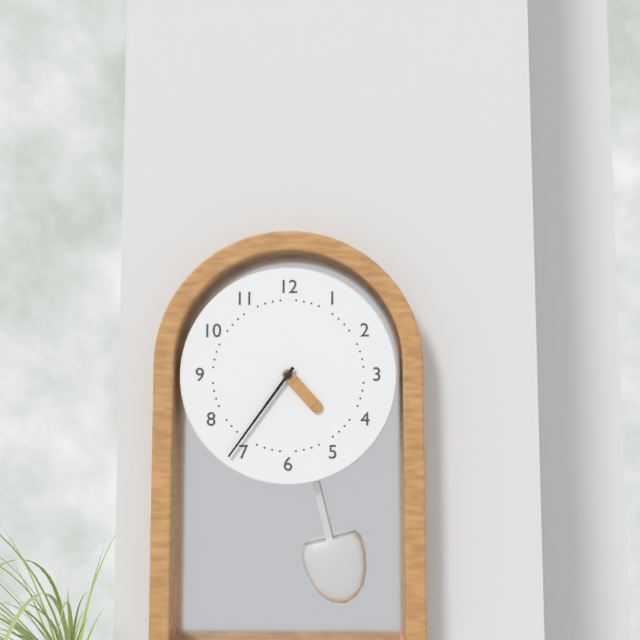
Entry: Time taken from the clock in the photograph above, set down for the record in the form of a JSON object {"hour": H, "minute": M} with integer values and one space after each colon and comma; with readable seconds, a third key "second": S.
{"hour": 4, "minute": 36}
